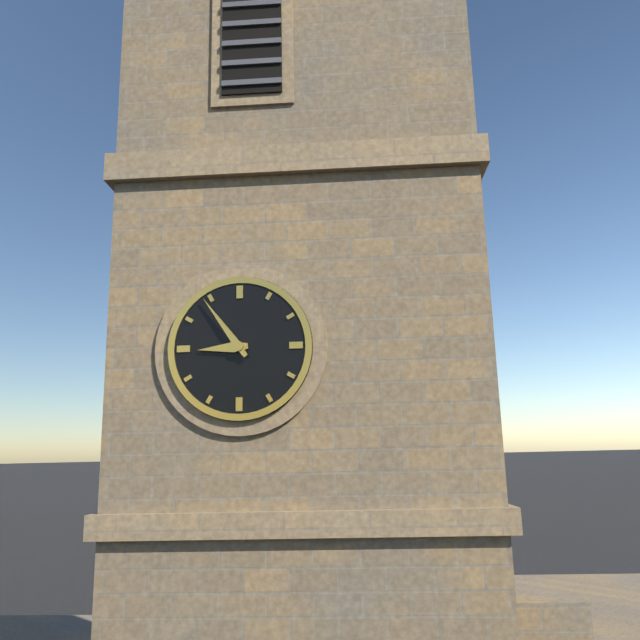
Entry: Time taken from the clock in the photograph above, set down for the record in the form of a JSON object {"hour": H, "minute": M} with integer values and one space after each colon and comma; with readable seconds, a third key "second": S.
{"hour": 8, "minute": 54}
